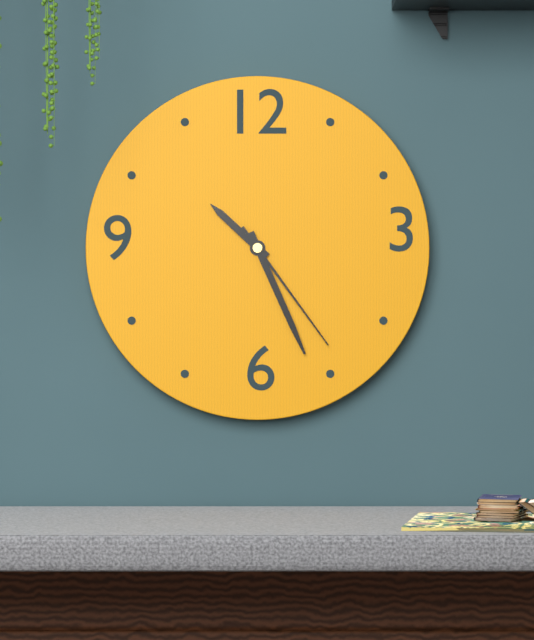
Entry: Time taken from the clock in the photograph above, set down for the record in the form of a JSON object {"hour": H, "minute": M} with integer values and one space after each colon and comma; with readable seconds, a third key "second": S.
{"hour": 10, "minute": 26, "second": 24}
